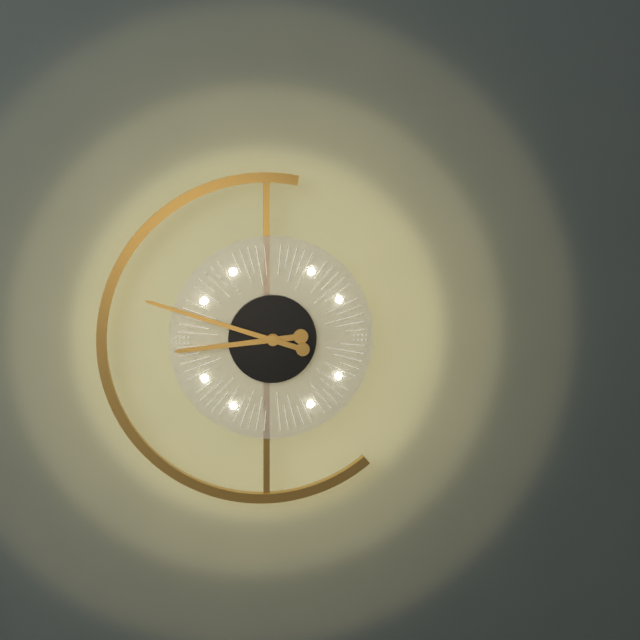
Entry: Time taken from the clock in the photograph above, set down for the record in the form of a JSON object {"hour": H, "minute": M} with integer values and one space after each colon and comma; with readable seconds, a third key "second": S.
{"hour": 8, "minute": 48}
